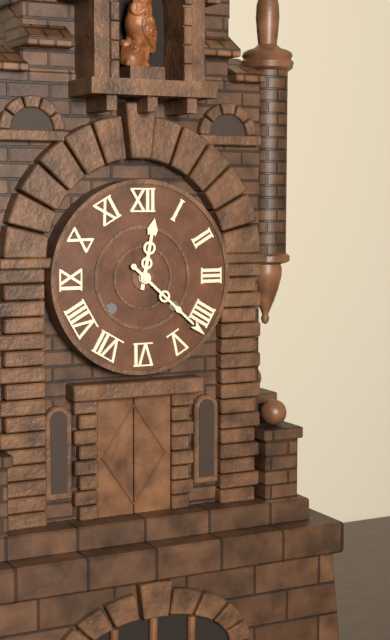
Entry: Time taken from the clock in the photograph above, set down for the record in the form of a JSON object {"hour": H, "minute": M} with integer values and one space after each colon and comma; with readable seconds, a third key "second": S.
{"hour": 12, "minute": 22}
